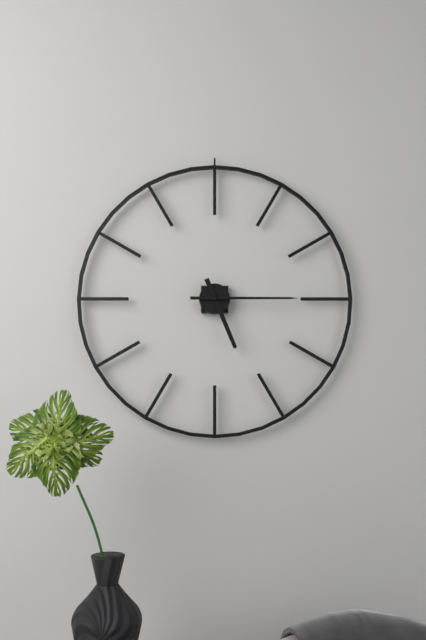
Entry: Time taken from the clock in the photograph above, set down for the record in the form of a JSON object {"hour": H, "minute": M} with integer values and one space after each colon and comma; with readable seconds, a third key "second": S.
{"hour": 5, "minute": 15}
